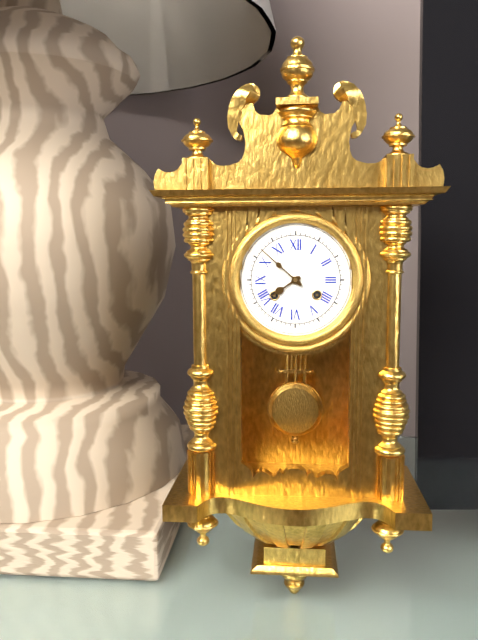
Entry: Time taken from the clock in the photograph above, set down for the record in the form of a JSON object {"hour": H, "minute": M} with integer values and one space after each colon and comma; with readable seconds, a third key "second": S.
{"hour": 7, "minute": 52}
